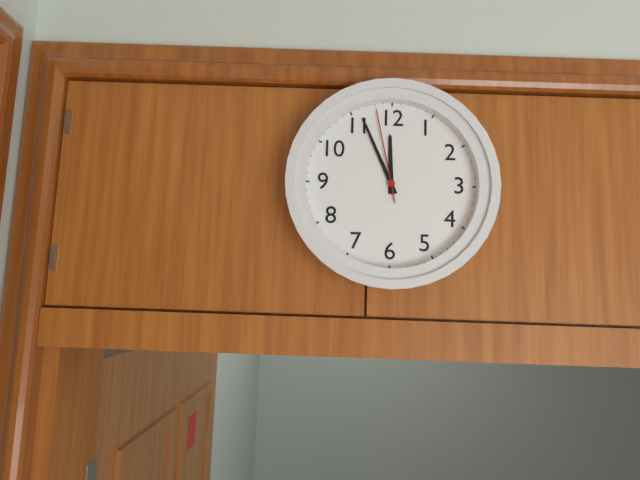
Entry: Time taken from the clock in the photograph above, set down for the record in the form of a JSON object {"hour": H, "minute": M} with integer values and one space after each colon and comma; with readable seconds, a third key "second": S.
{"hour": 11, "minute": 56, "second": 58}
